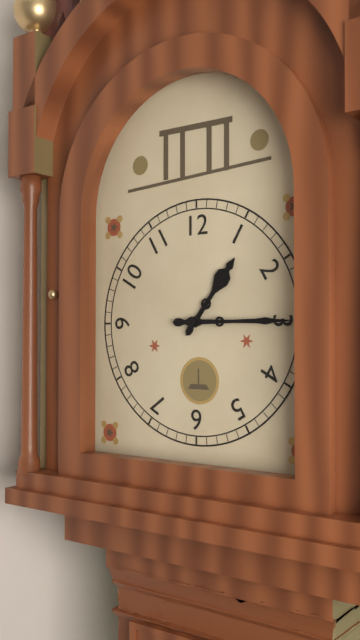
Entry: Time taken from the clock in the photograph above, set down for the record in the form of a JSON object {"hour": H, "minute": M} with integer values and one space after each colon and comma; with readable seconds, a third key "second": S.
{"hour": 1, "minute": 15}
